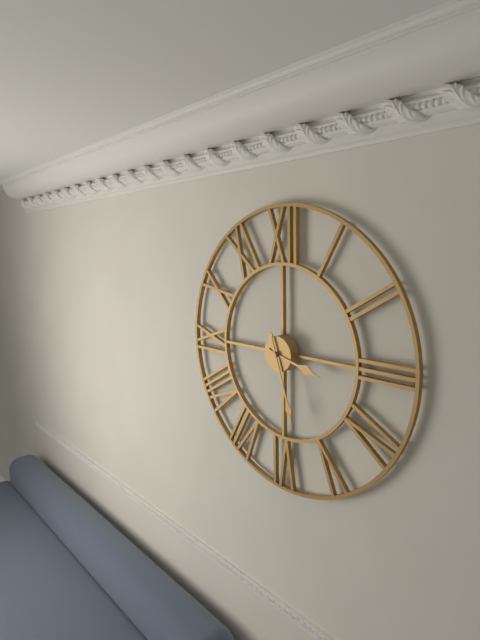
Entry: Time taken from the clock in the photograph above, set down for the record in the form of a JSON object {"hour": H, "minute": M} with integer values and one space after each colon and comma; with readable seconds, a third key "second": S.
{"hour": 3, "minute": 27}
